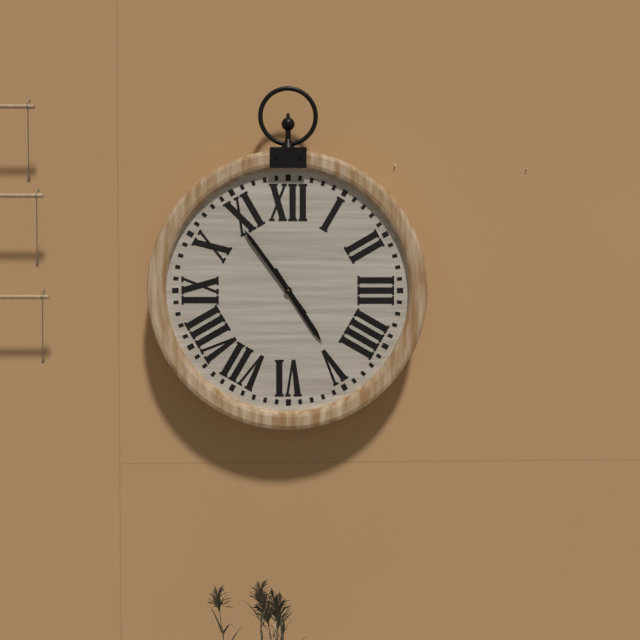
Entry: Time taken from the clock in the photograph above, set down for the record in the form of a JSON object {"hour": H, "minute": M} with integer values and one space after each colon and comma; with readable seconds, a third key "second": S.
{"hour": 4, "minute": 54}
